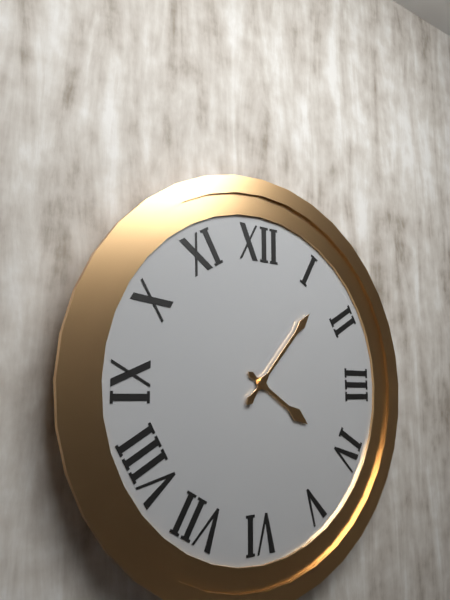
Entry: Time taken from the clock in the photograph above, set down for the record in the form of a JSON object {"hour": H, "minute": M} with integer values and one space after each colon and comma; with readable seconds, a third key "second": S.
{"hour": 4, "minute": 7}
